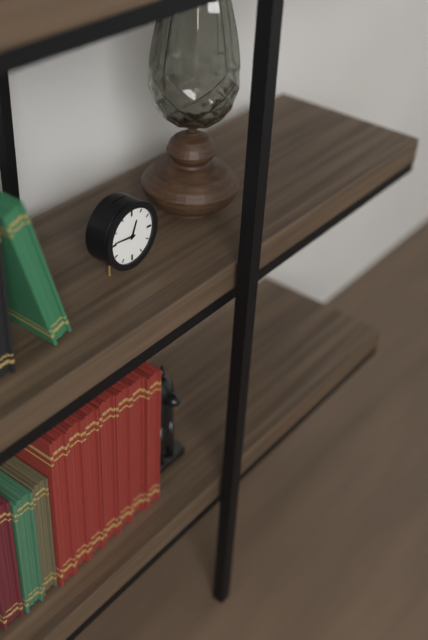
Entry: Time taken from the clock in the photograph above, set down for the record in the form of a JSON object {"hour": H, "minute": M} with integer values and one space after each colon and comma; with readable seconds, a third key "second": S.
{"hour": 12, "minute": 46}
